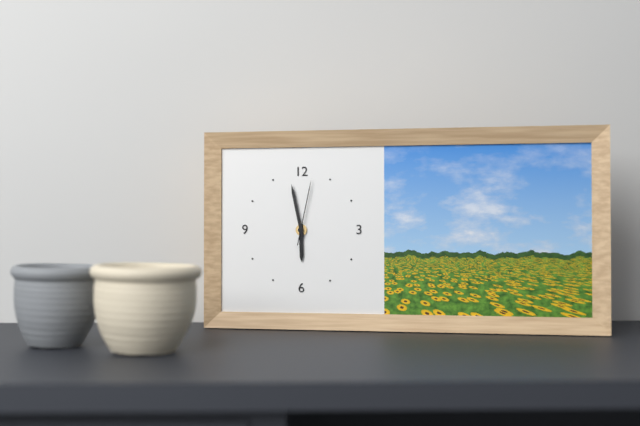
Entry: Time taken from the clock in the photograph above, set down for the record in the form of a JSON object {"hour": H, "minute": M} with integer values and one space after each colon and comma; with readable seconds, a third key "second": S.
{"hour": 5, "minute": 58, "second": 2}
